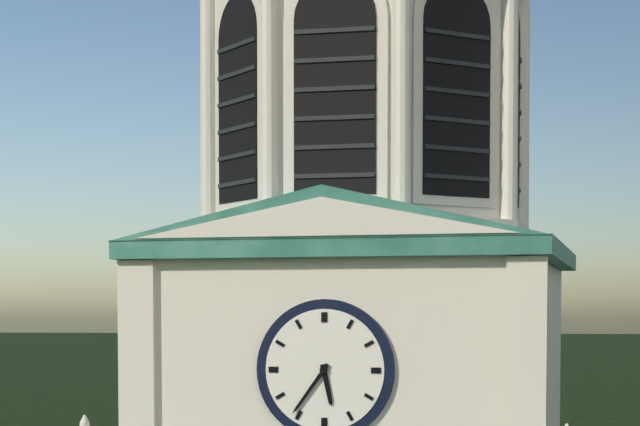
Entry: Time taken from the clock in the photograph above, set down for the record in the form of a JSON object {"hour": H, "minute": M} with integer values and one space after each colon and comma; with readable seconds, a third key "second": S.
{"hour": 5, "minute": 36}
